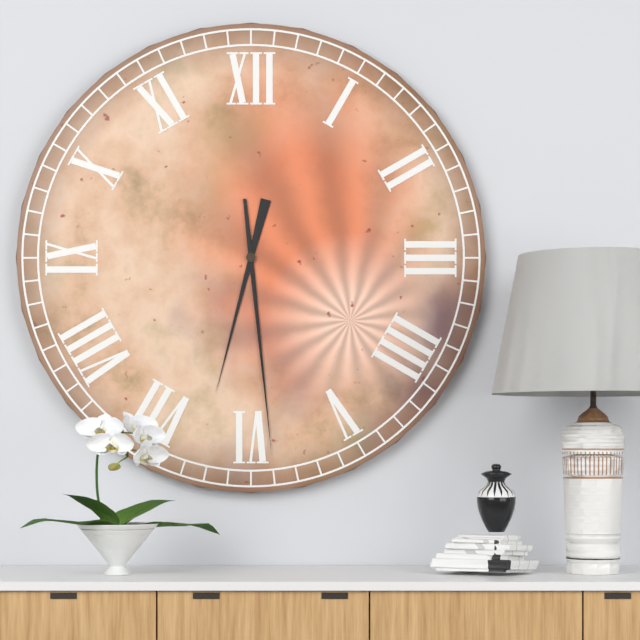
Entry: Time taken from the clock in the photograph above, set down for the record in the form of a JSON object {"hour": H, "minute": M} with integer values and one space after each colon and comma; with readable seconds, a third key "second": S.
{"hour": 6, "minute": 29}
